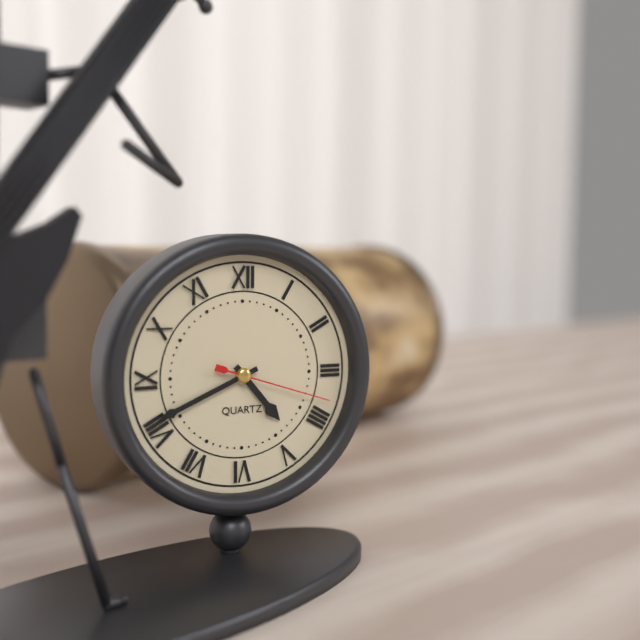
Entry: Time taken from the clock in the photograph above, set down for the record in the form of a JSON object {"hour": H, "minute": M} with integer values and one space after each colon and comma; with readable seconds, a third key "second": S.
{"hour": 4, "minute": 41, "second": 18}
